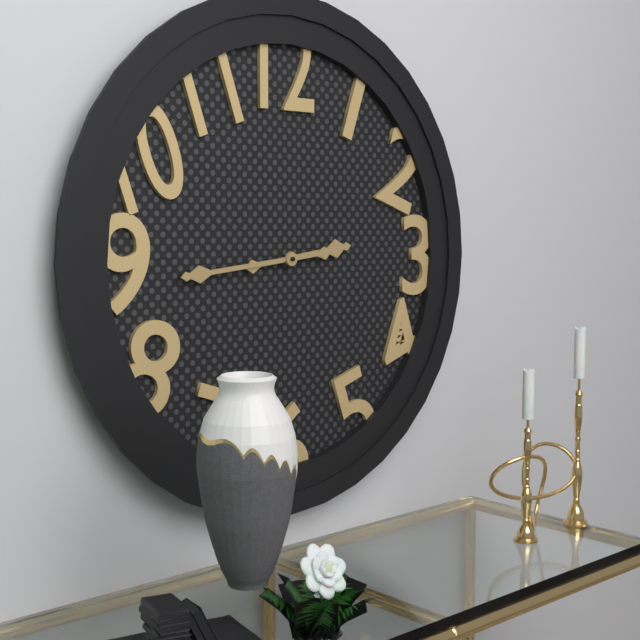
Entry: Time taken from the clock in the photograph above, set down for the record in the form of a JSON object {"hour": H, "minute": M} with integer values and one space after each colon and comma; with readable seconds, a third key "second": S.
{"hour": 2, "minute": 44}
